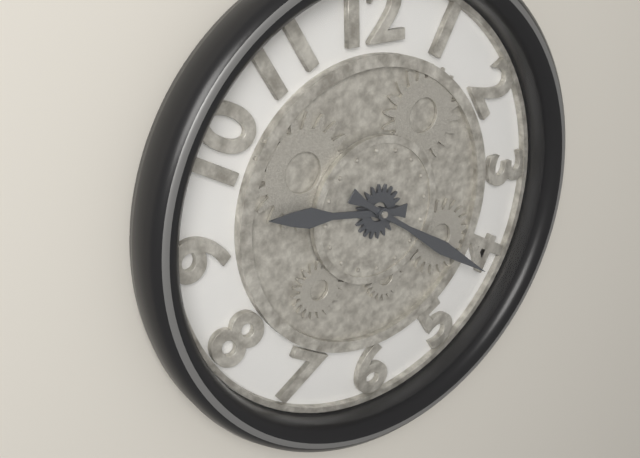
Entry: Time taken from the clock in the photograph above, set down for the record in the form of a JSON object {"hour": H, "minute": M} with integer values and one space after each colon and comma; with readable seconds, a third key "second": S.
{"hour": 9, "minute": 21}
